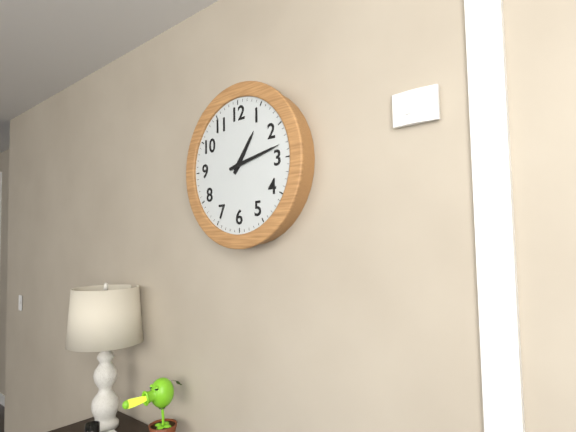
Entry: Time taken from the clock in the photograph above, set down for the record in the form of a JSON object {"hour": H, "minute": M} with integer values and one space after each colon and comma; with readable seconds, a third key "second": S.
{"hour": 1, "minute": 13}
